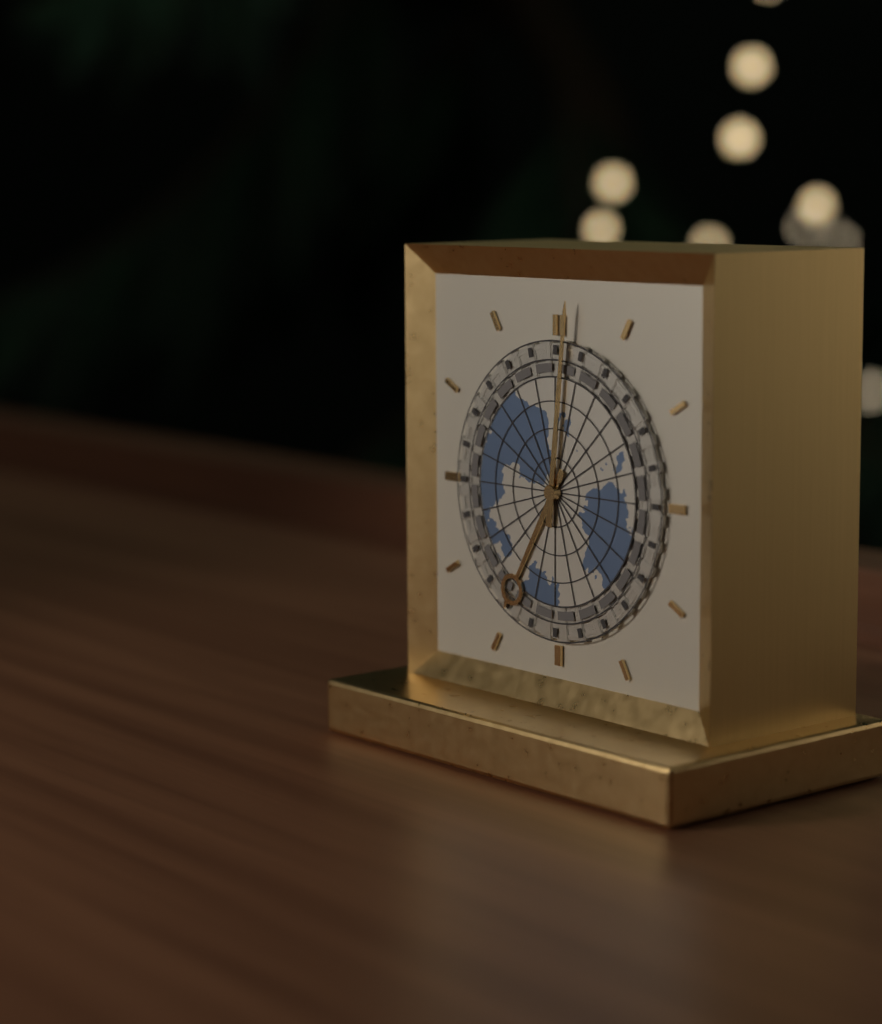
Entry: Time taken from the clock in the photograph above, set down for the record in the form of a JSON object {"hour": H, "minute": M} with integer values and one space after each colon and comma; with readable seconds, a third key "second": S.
{"hour": 7, "minute": 1}
